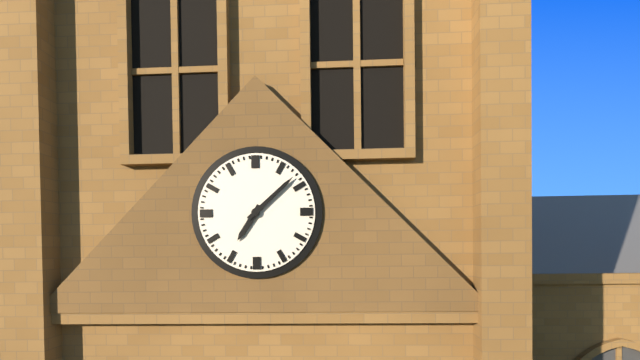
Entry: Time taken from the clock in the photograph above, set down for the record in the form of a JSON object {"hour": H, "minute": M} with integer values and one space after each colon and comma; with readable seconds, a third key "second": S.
{"hour": 7, "minute": 8}
